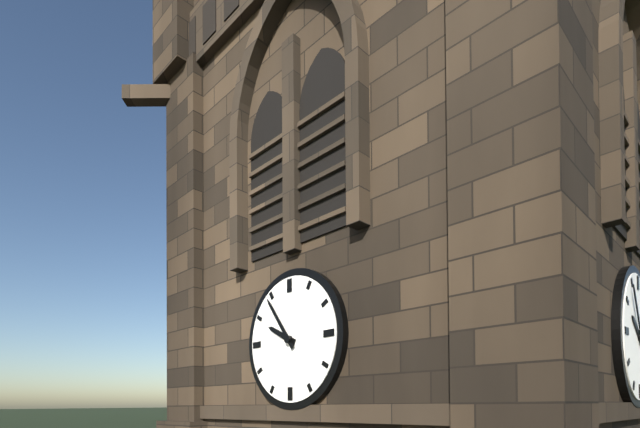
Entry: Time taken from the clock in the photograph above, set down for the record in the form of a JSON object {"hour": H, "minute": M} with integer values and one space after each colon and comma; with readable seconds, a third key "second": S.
{"hour": 9, "minute": 54}
